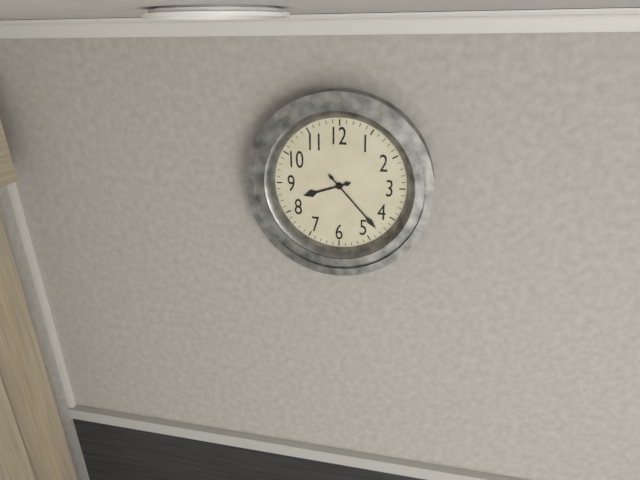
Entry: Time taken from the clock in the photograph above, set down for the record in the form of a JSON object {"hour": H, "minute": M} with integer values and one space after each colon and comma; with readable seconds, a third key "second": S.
{"hour": 8, "minute": 23}
